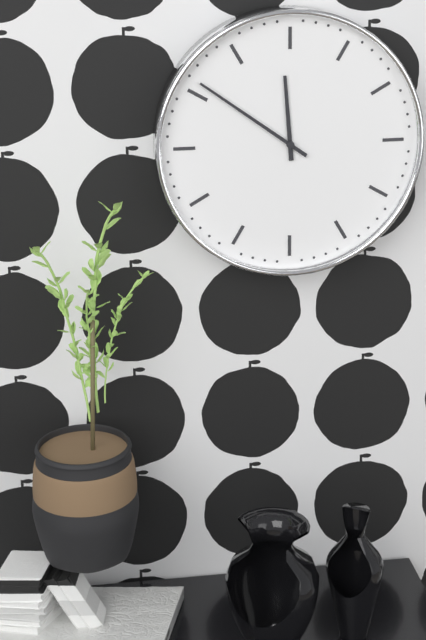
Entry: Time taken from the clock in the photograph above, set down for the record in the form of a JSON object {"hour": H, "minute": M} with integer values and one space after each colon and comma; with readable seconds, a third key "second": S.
{"hour": 11, "minute": 51}
